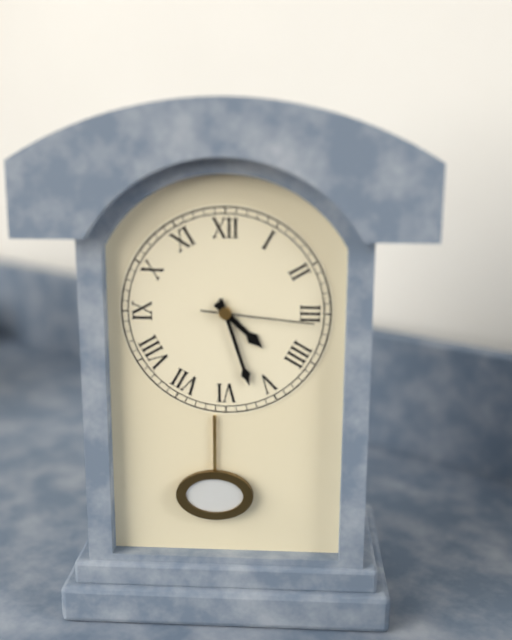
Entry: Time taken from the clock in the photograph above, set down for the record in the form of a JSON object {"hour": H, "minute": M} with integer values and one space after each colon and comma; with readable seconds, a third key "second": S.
{"hour": 4, "minute": 27, "second": 16}
